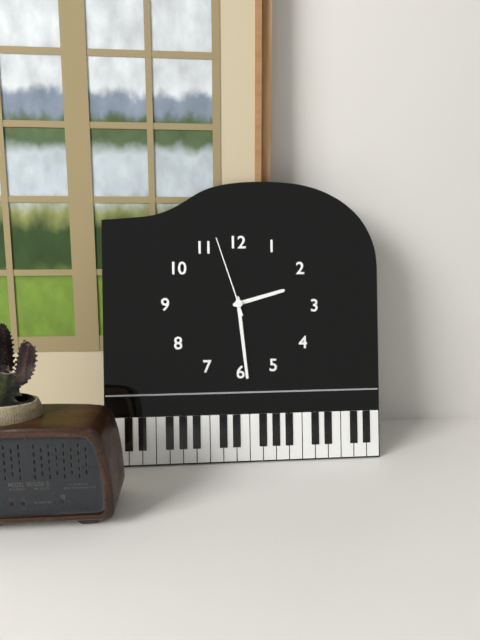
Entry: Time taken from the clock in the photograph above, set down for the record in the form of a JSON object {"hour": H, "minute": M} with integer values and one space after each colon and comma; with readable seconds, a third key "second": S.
{"hour": 2, "minute": 29, "second": 57}
